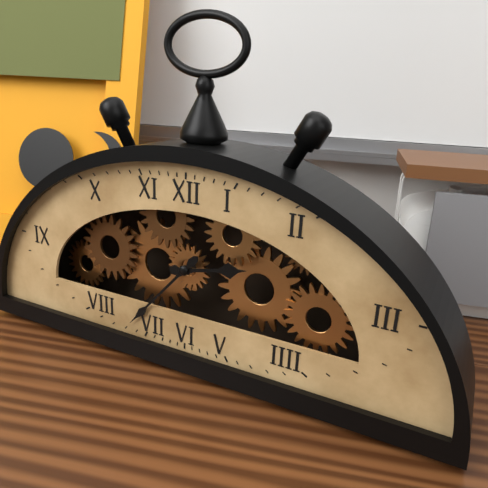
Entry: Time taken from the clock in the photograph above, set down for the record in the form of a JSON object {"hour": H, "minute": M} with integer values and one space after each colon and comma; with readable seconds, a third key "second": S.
{"hour": 2, "minute": 37}
